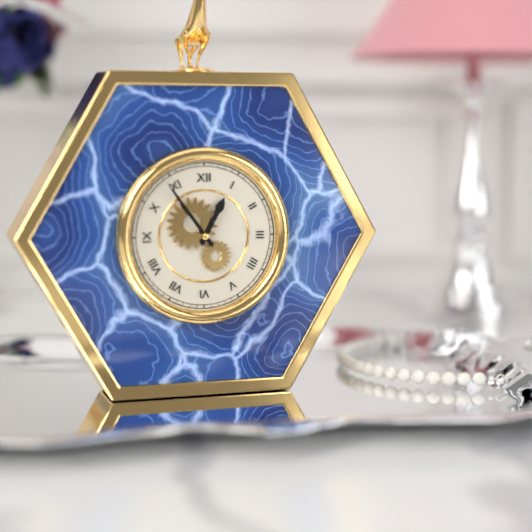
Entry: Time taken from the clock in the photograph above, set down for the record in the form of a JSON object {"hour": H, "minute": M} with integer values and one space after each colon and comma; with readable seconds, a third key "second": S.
{"hour": 12, "minute": 54}
